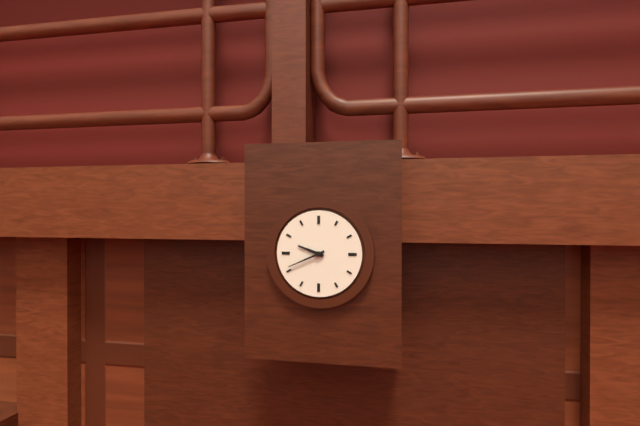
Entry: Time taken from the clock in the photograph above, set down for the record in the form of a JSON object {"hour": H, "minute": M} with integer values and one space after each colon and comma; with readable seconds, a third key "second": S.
{"hour": 9, "minute": 41}
